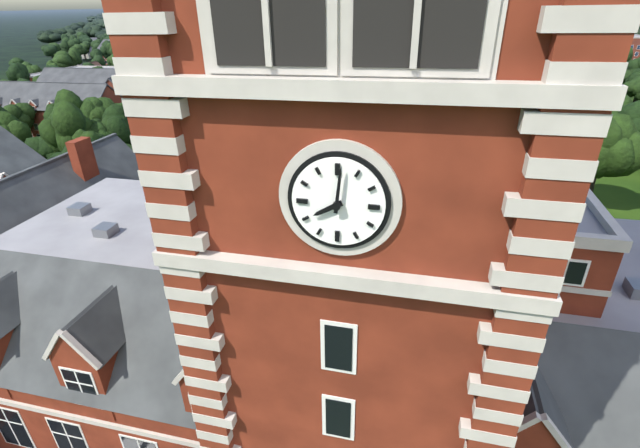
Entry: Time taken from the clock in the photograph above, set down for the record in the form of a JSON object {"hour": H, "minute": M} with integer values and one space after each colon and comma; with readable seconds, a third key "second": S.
{"hour": 8, "minute": 1}
